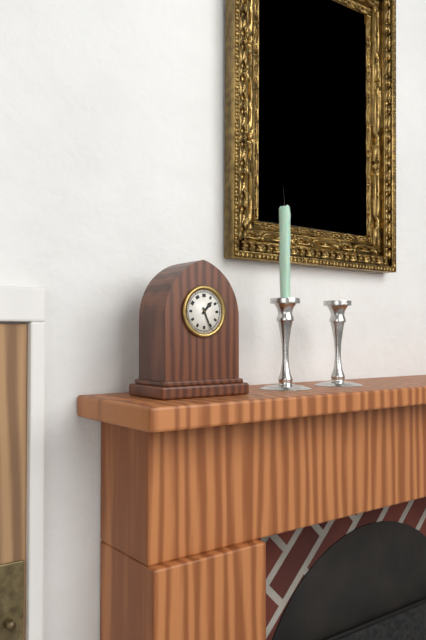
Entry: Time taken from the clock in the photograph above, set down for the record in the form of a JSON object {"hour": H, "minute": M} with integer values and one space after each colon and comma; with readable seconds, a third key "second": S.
{"hour": 1, "minute": 26}
